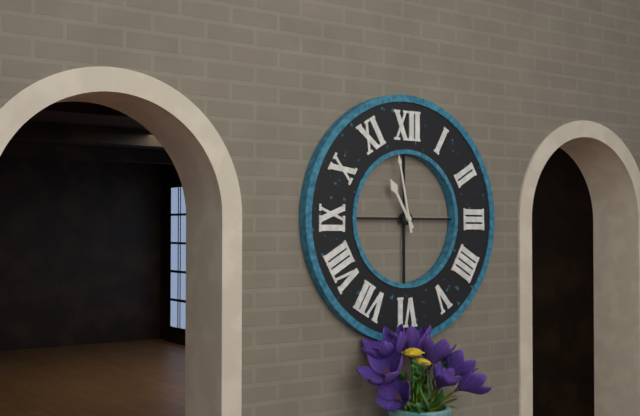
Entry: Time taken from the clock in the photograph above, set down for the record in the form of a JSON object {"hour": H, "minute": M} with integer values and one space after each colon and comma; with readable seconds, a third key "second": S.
{"hour": 10, "minute": 58}
